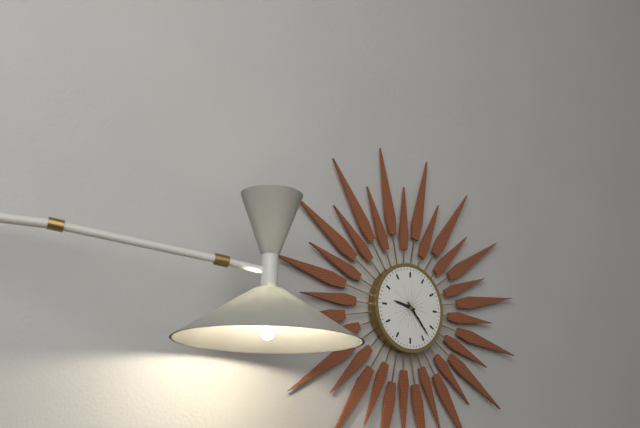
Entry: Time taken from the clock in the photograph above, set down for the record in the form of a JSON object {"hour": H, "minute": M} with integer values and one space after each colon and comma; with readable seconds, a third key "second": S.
{"hour": 9, "minute": 23}
